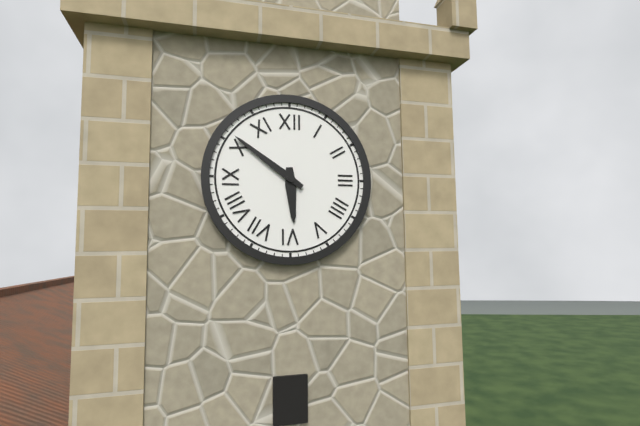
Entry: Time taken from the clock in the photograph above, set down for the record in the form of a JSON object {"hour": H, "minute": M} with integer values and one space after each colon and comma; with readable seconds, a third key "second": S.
{"hour": 5, "minute": 51}
